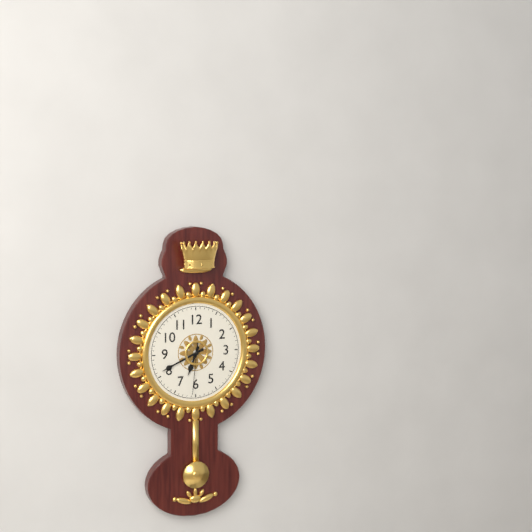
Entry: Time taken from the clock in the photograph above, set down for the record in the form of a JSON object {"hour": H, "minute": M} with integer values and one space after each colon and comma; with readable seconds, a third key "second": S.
{"hour": 6, "minute": 41, "second": 31}
